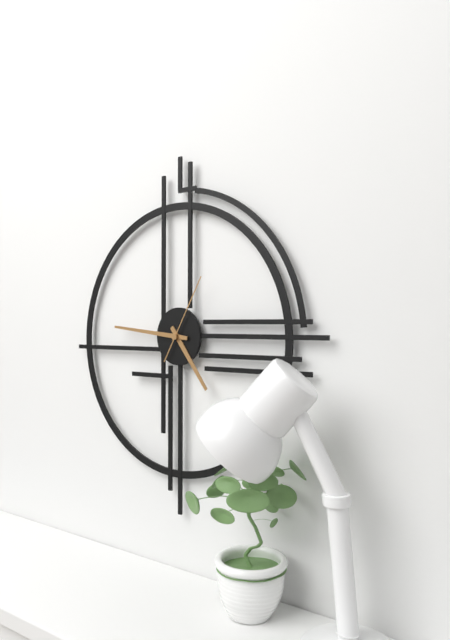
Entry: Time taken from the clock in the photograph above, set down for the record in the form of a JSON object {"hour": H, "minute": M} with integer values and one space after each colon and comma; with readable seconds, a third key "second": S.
{"hour": 4, "minute": 46, "second": 5}
